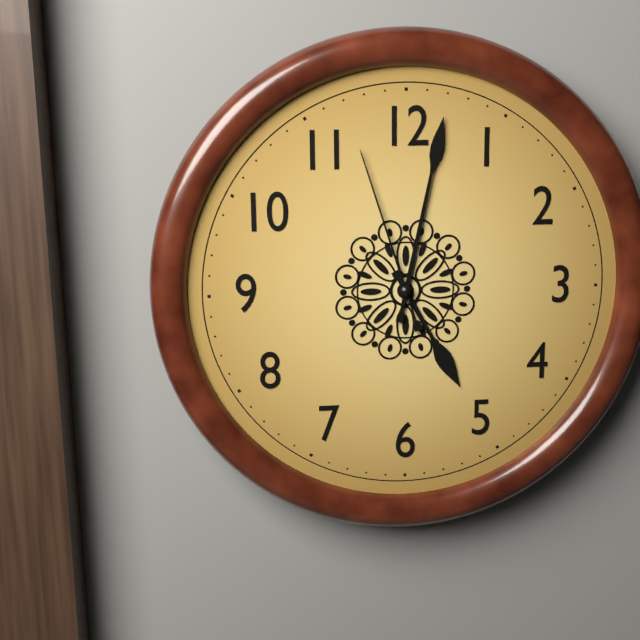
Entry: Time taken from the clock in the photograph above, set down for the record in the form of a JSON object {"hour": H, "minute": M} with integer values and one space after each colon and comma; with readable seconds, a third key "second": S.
{"hour": 5, "minute": 2, "second": 57}
